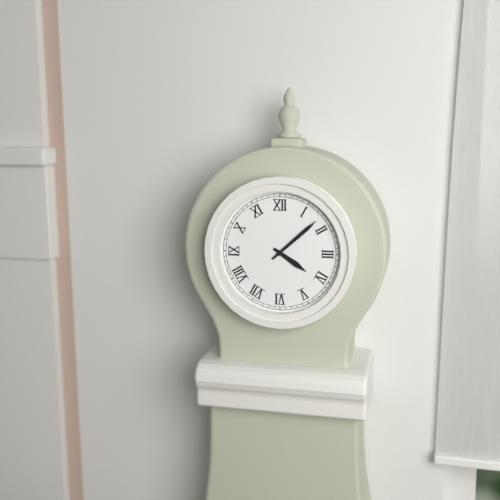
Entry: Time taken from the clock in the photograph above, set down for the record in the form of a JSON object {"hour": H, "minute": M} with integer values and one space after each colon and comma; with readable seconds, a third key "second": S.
{"hour": 4, "minute": 8}
